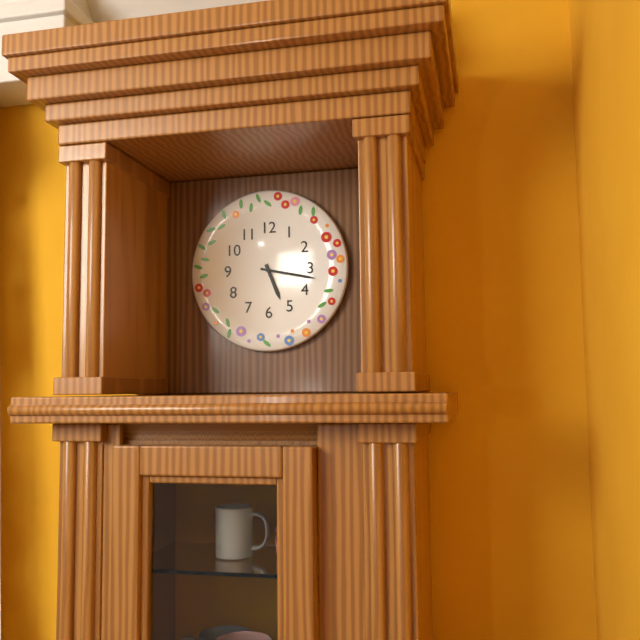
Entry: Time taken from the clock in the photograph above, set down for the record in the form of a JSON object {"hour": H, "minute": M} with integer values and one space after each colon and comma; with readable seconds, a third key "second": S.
{"hour": 5, "minute": 17}
